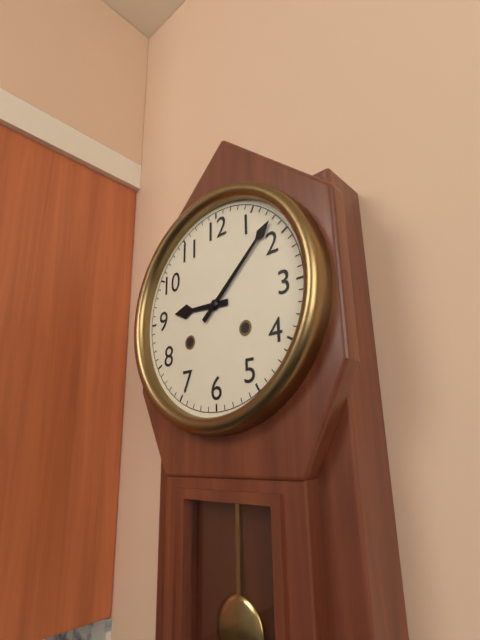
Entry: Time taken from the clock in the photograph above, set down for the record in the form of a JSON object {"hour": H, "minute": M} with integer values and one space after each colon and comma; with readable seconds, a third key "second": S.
{"hour": 9, "minute": 8}
